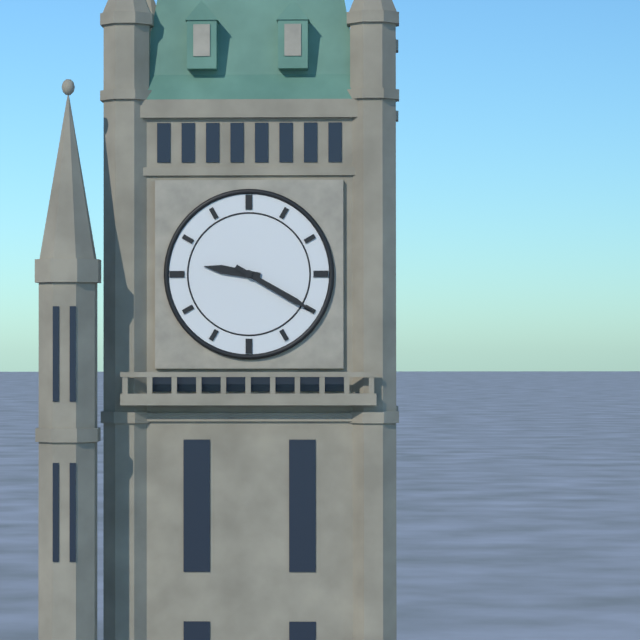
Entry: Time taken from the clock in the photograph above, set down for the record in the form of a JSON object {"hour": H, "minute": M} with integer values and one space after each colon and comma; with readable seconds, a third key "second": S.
{"hour": 9, "minute": 20}
